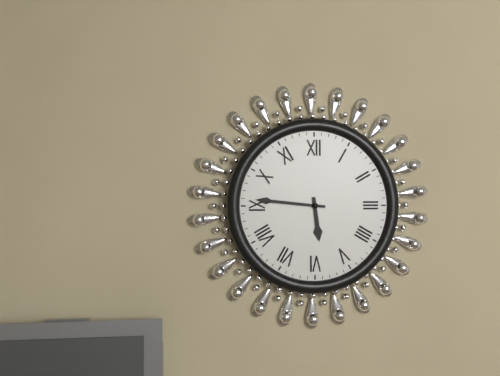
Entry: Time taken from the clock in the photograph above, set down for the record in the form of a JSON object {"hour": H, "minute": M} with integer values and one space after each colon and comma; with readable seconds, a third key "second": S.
{"hour": 5, "minute": 46}
